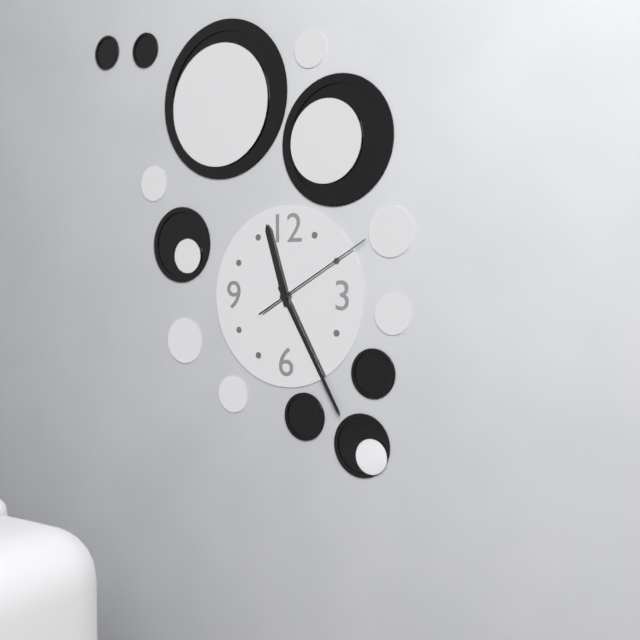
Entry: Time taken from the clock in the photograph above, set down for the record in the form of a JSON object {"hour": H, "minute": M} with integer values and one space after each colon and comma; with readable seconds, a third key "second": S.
{"hour": 11, "minute": 25, "second": 10}
